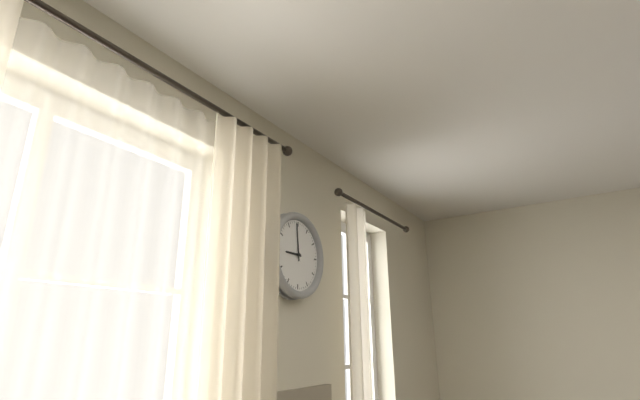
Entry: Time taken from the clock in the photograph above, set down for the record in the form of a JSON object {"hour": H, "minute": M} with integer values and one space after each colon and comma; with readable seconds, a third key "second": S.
{"hour": 8, "minute": 59}
